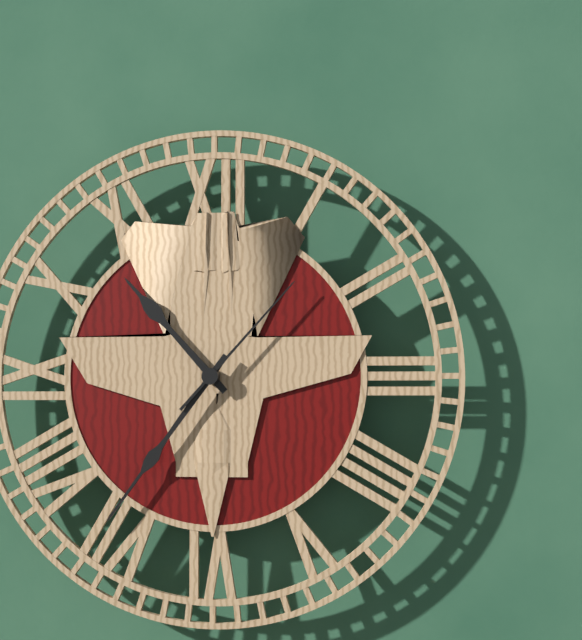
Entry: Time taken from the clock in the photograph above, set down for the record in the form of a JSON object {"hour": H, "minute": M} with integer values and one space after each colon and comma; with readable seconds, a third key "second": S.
{"hour": 10, "minute": 36, "second": 7}
